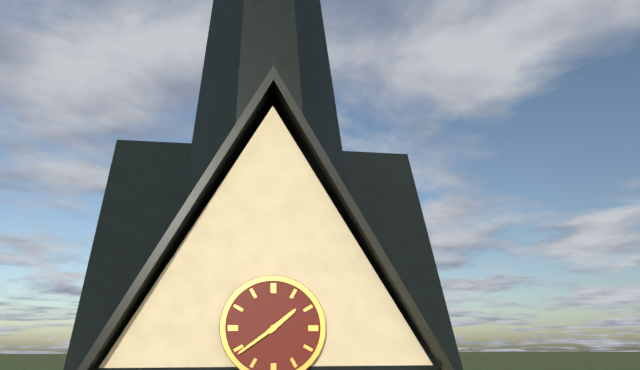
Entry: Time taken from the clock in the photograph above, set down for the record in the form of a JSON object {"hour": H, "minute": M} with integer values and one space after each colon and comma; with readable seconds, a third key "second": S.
{"hour": 1, "minute": 39}
